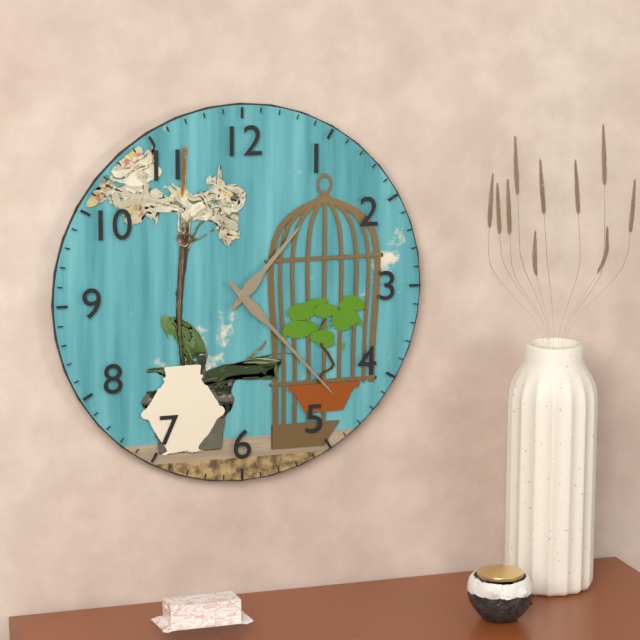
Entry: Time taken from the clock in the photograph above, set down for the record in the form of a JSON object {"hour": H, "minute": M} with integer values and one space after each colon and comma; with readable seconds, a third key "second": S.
{"hour": 1, "minute": 23}
